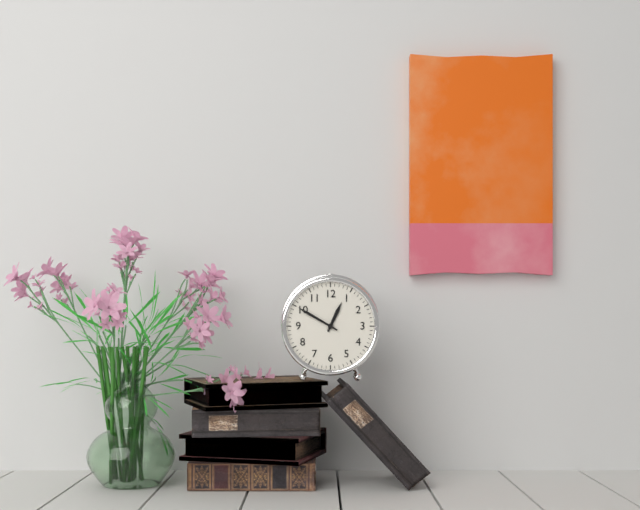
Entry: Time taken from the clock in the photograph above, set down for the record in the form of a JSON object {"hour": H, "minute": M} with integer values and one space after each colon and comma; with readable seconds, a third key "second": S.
{"hour": 12, "minute": 50}
